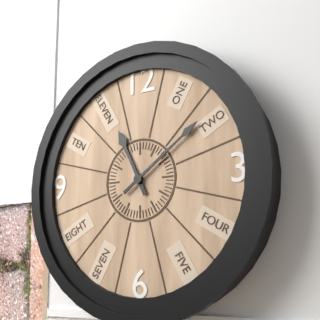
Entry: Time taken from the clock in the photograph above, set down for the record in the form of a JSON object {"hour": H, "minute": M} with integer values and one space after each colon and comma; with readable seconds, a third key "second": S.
{"hour": 11, "minute": 9}
